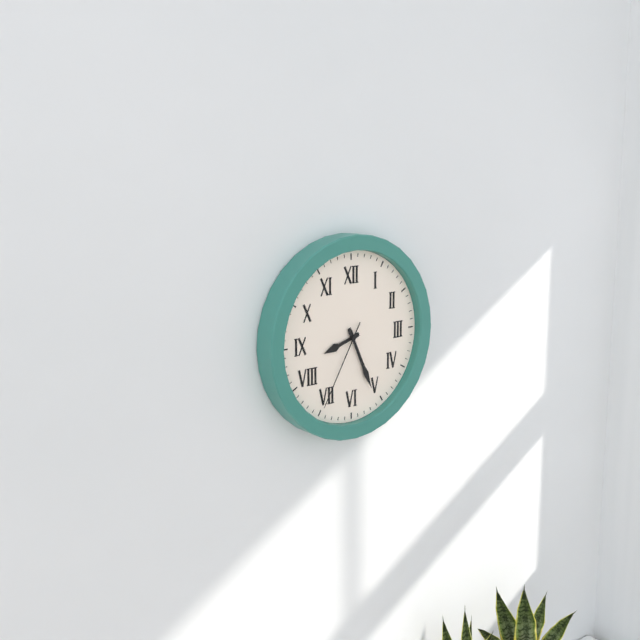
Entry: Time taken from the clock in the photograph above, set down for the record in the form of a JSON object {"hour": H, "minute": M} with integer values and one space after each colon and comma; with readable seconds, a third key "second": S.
{"hour": 8, "minute": 26, "second": 35}
